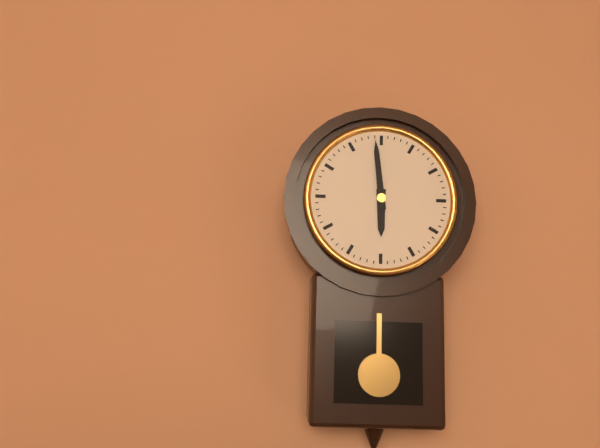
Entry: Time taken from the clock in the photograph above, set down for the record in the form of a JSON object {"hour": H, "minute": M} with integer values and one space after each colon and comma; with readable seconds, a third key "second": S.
{"hour": 5, "minute": 59}
